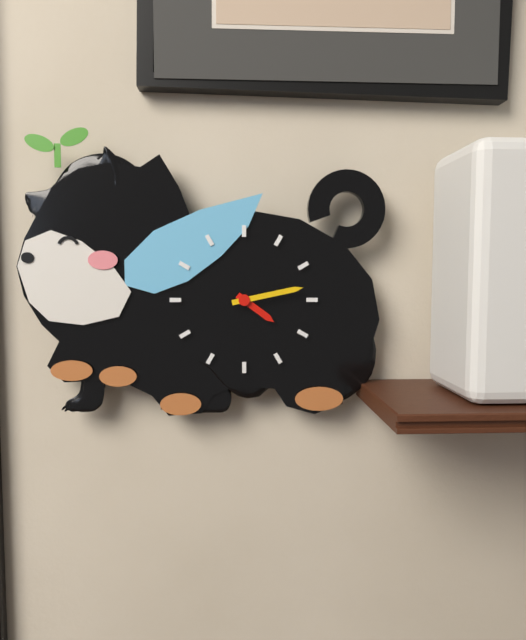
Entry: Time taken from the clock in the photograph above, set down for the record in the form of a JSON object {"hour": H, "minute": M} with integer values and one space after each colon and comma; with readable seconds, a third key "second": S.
{"hour": 4, "minute": 13}
